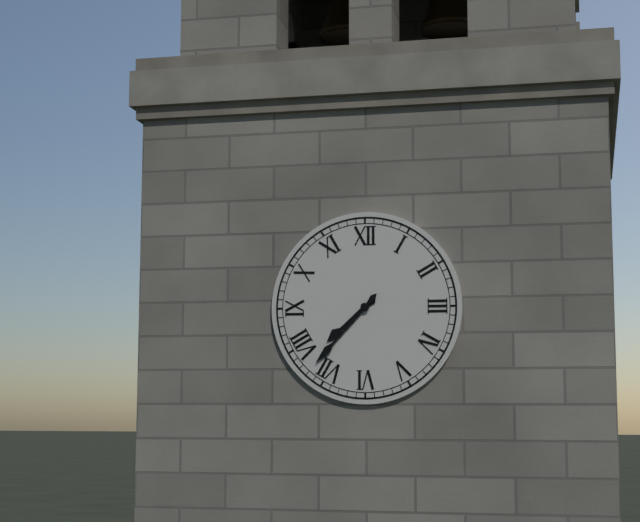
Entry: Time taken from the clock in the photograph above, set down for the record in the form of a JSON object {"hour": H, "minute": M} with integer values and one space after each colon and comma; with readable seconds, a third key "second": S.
{"hour": 7, "minute": 37}
